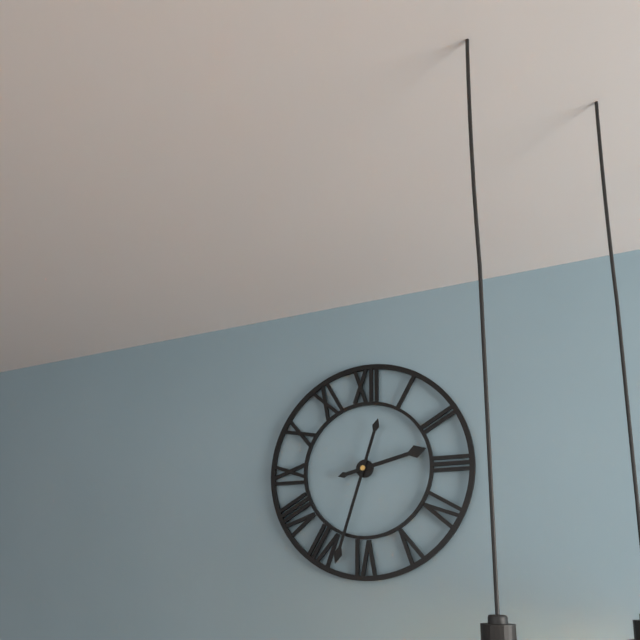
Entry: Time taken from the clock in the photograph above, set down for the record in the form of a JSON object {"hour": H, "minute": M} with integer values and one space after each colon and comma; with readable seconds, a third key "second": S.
{"hour": 2, "minute": 33}
